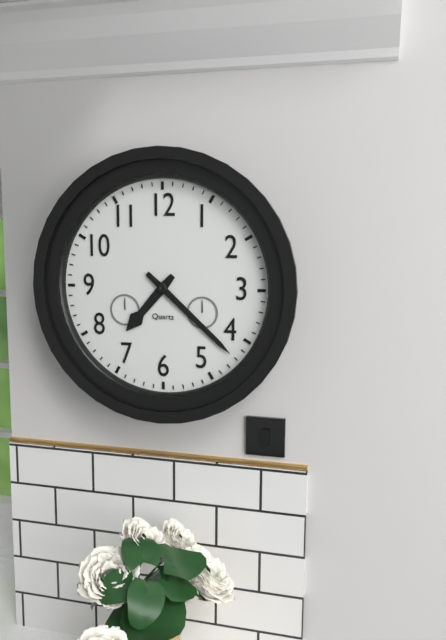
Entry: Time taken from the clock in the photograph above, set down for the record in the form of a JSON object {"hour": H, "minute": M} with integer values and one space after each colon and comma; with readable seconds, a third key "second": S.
{"hour": 7, "minute": 22}
